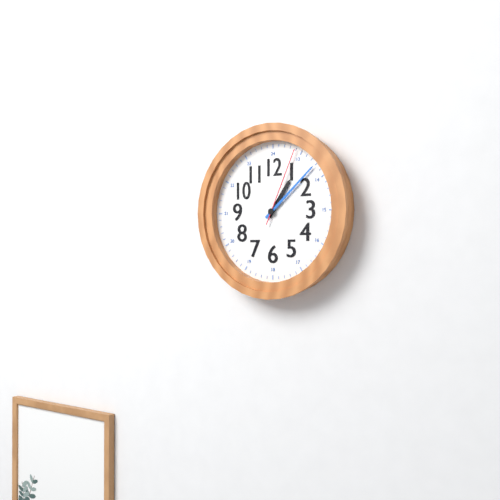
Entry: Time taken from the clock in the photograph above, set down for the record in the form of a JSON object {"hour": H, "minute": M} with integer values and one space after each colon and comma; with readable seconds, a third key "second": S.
{"hour": 1, "minute": 8, "second": 4}
